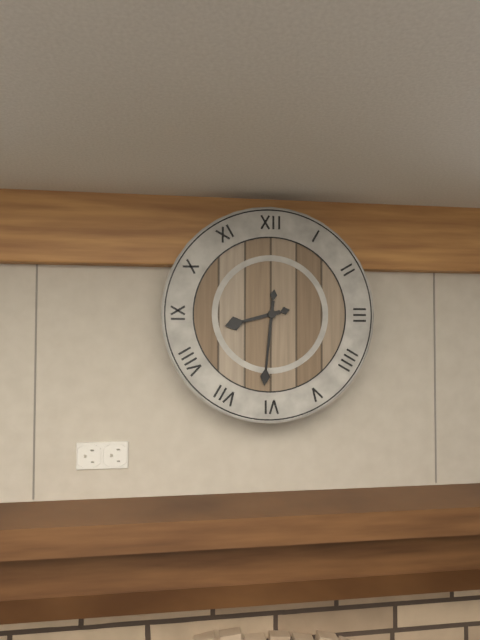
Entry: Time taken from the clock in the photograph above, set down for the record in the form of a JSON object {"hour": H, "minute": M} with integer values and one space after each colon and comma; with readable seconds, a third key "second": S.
{"hour": 8, "minute": 31}
